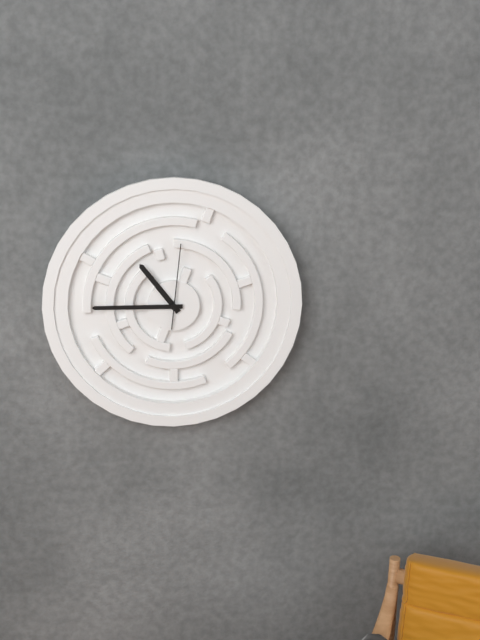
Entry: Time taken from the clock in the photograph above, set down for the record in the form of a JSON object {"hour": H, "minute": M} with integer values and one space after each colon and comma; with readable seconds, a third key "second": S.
{"hour": 10, "minute": 45, "second": 1}
